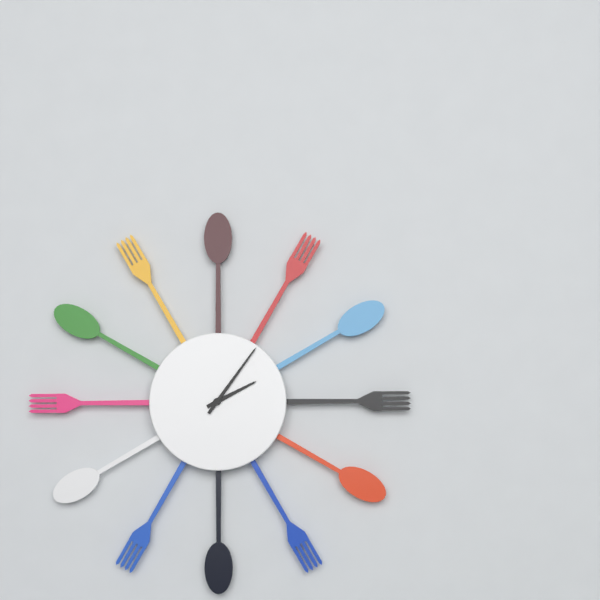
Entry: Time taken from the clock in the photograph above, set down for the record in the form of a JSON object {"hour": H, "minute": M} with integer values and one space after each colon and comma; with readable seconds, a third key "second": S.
{"hour": 2, "minute": 6}
